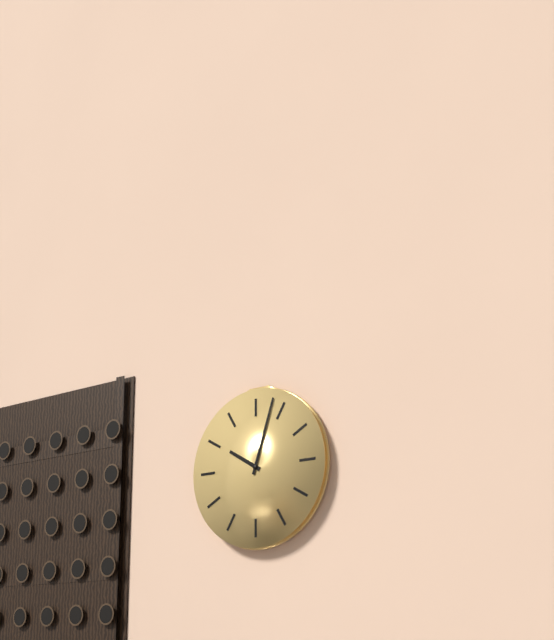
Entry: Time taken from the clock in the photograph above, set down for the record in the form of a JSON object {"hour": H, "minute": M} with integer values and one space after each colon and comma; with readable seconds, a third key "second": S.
{"hour": 10, "minute": 3}
